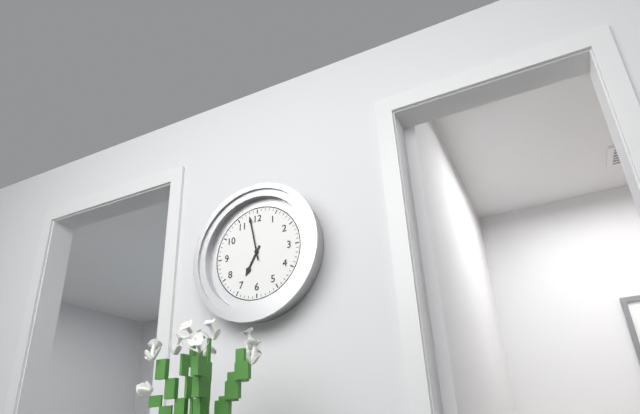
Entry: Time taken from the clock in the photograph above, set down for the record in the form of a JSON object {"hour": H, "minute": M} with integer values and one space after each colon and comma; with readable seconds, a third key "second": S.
{"hour": 6, "minute": 58}
